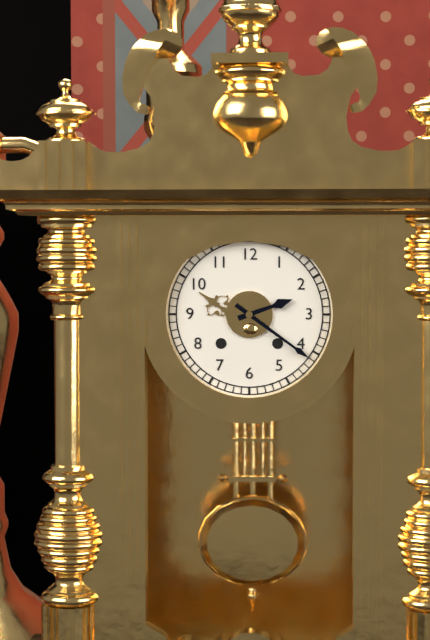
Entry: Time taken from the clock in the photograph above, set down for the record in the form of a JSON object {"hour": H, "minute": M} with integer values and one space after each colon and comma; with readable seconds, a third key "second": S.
{"hour": 2, "minute": 21}
